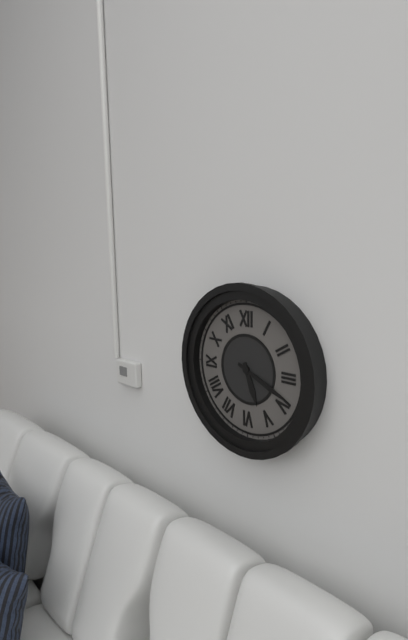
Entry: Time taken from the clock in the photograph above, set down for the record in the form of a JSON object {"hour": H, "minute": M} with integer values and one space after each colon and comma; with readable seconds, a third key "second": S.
{"hour": 5, "minute": 19}
